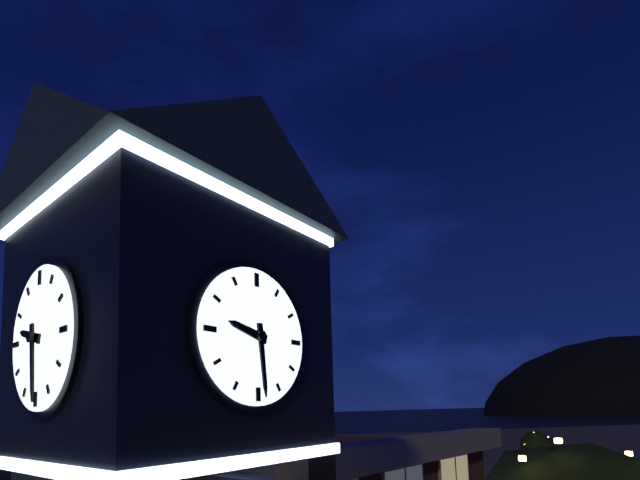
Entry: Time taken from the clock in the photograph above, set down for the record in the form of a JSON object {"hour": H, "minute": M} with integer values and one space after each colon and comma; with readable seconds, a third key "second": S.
{"hour": 9, "minute": 29}
